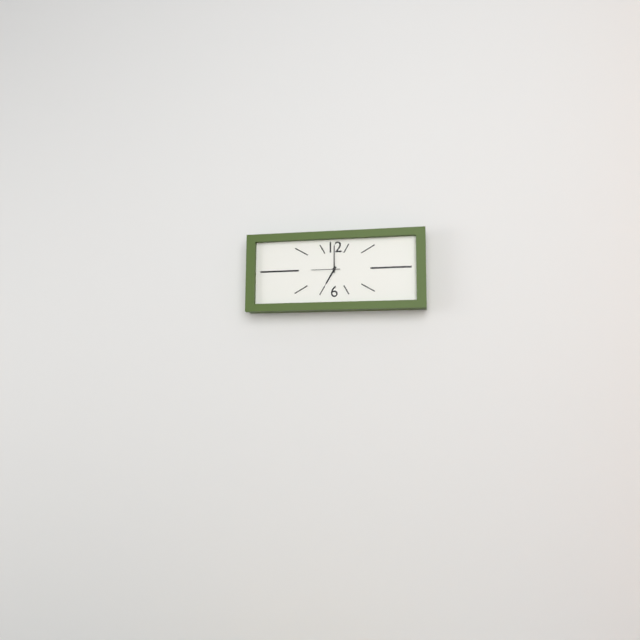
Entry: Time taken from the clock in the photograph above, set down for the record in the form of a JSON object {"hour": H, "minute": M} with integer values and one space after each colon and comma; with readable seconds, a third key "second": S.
{"hour": 7, "minute": 0}
